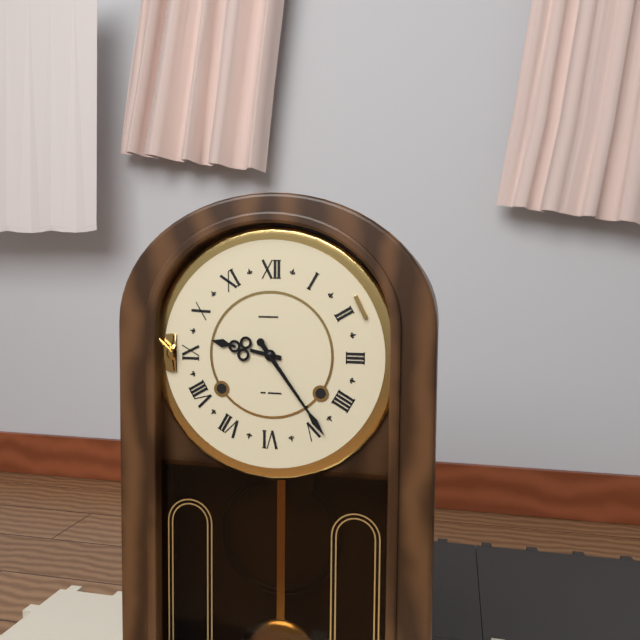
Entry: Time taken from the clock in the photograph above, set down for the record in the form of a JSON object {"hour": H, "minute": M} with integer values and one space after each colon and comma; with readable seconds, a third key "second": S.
{"hour": 9, "minute": 24}
